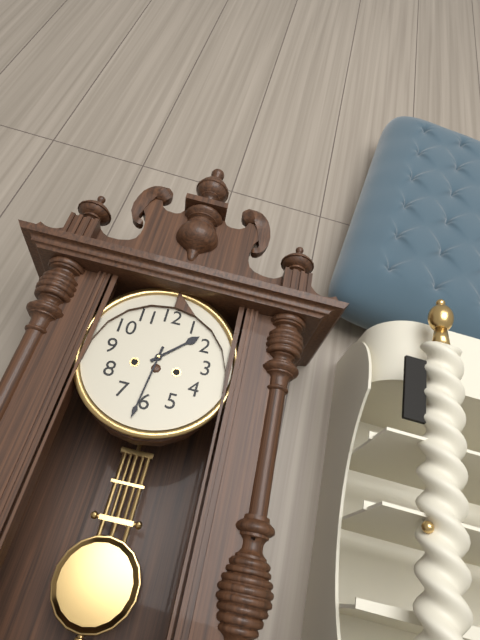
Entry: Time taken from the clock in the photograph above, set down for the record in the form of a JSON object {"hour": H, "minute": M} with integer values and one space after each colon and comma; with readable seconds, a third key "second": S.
{"hour": 1, "minute": 31}
